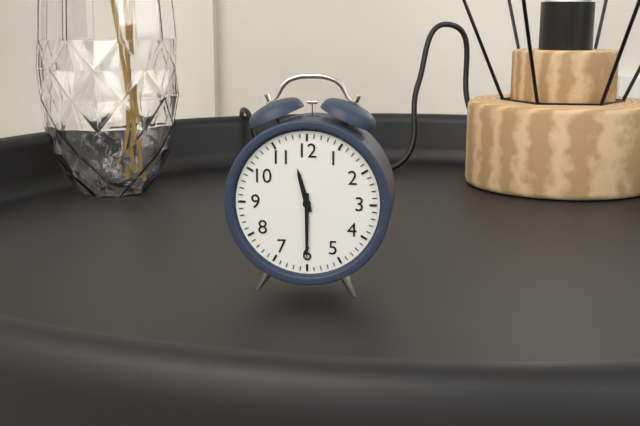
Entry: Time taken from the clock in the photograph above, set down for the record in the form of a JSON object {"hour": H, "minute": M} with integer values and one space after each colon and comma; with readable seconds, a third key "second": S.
{"hour": 11, "minute": 30}
